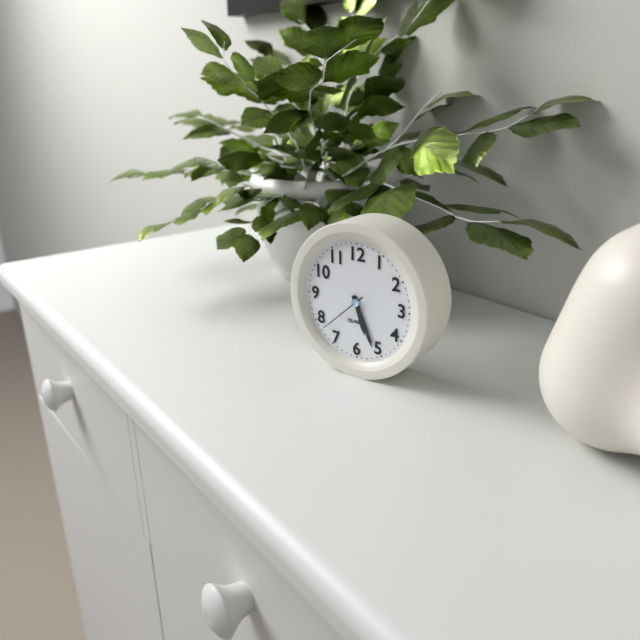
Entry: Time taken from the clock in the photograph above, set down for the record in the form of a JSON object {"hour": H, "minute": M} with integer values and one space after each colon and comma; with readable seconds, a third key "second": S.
{"hour": 5, "minute": 26, "second": 38}
